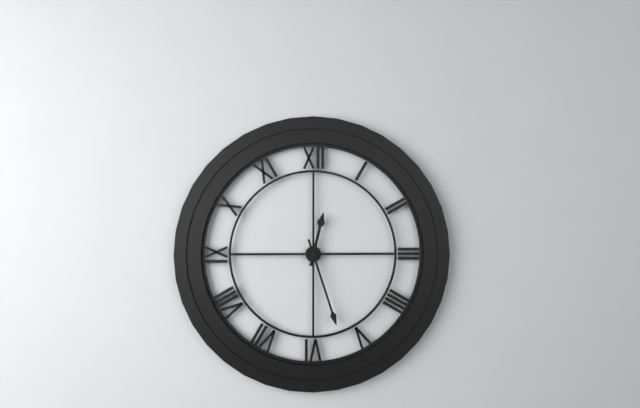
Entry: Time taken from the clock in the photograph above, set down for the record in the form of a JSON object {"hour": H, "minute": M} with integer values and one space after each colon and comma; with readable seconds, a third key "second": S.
{"hour": 12, "minute": 27}
